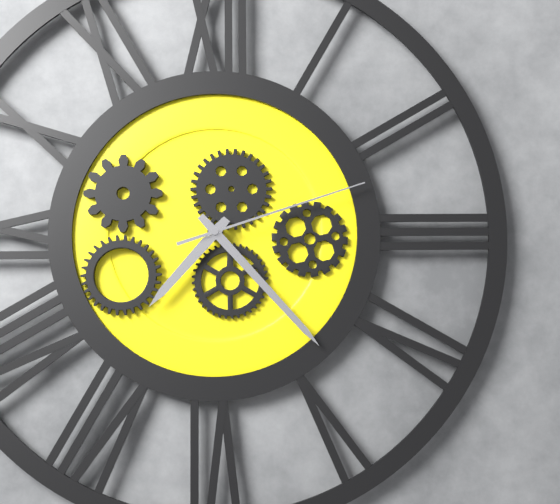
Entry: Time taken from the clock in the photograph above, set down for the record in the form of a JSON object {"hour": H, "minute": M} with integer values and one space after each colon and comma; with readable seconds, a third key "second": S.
{"hour": 7, "minute": 23, "second": 12}
